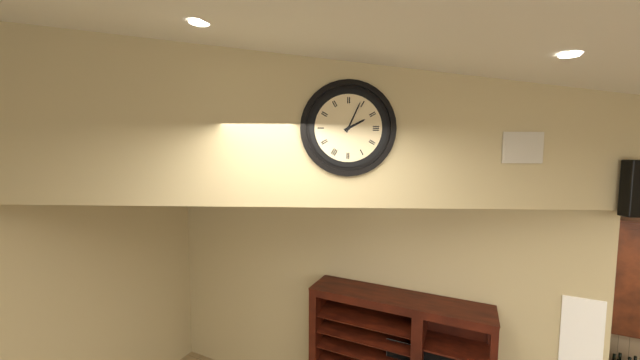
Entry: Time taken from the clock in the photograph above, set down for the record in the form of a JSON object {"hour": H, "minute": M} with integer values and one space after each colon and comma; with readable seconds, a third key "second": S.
{"hour": 2, "minute": 4}
